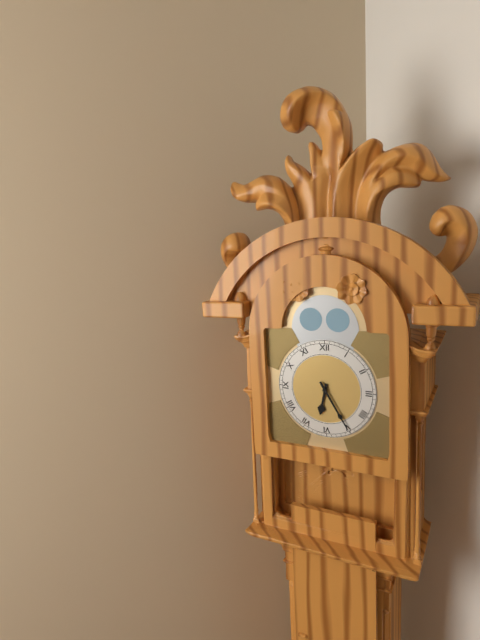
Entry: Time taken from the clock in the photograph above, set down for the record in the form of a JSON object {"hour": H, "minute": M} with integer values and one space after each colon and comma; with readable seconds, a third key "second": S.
{"hour": 6, "minute": 25}
